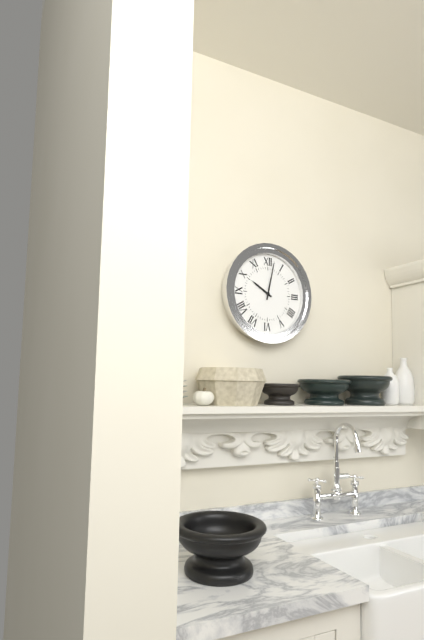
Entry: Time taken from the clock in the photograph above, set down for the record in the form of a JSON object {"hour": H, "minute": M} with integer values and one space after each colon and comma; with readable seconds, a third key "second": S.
{"hour": 10, "minute": 2}
